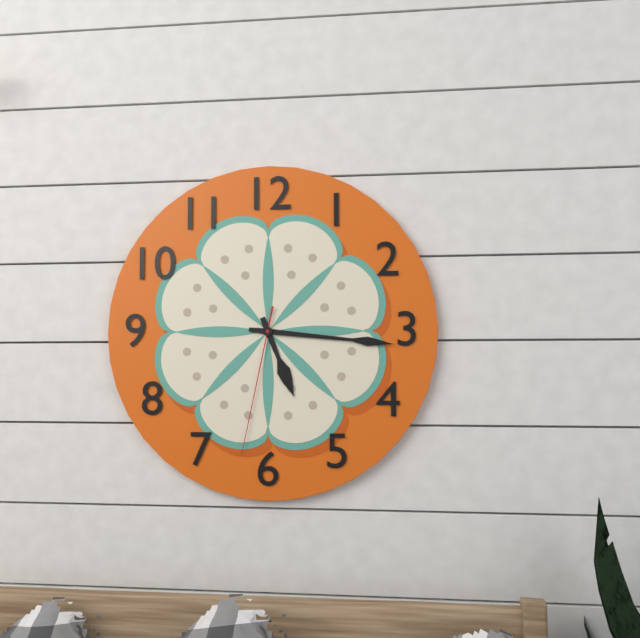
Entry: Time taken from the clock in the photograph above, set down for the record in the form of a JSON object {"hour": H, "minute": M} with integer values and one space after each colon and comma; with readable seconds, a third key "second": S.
{"hour": 5, "minute": 16, "second": 32}
